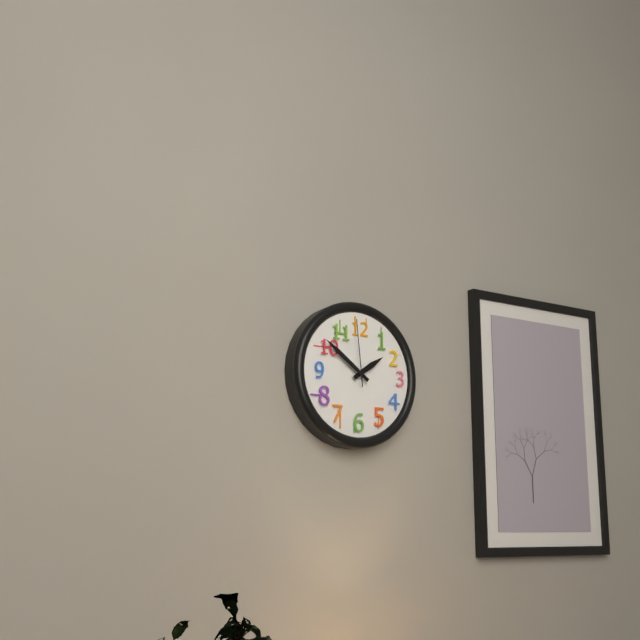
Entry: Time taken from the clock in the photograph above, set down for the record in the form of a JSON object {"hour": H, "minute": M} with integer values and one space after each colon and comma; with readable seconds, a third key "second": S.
{"hour": 1, "minute": 51, "second": 59}
